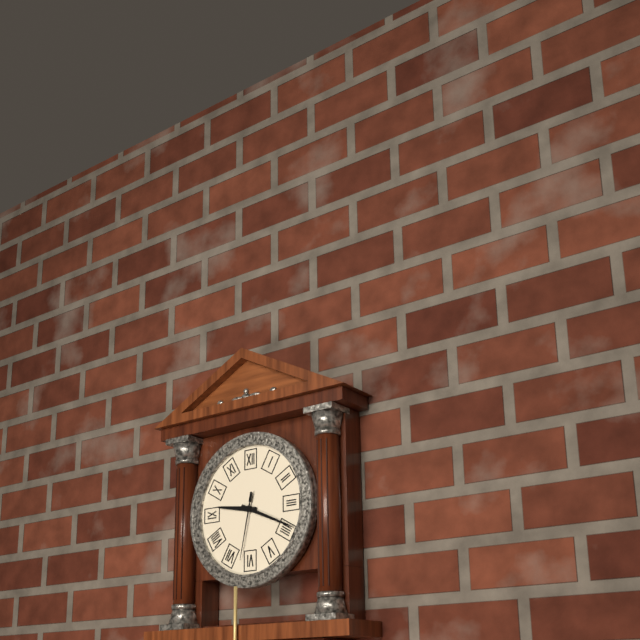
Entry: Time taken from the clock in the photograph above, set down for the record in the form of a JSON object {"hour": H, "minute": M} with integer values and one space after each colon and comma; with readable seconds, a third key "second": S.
{"hour": 9, "minute": 19, "second": 32}
